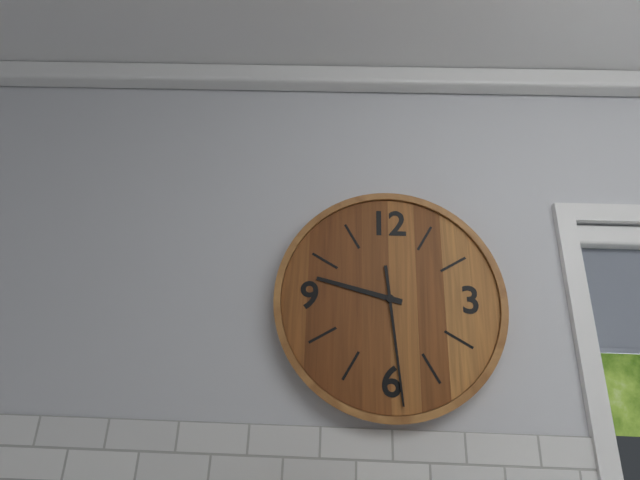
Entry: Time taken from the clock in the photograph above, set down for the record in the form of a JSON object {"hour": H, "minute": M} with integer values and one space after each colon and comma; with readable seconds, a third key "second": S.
{"hour": 9, "minute": 29}
